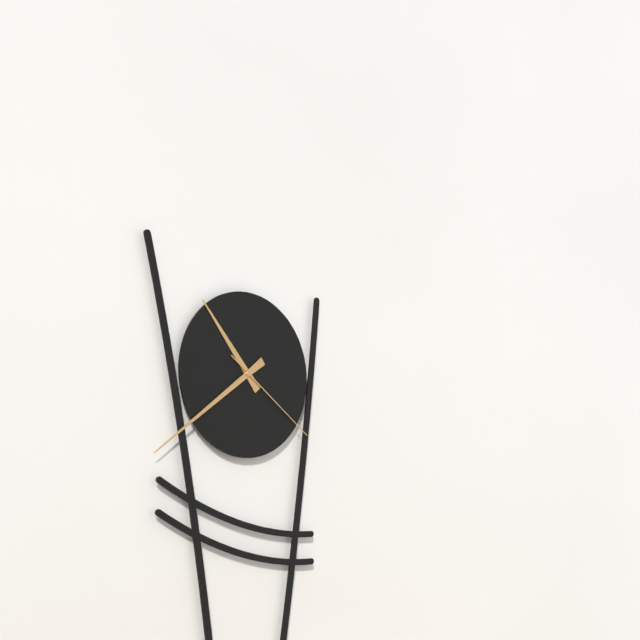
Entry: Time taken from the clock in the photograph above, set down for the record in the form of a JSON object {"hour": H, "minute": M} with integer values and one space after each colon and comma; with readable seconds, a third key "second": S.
{"hour": 10, "minute": 39, "second": 21}
